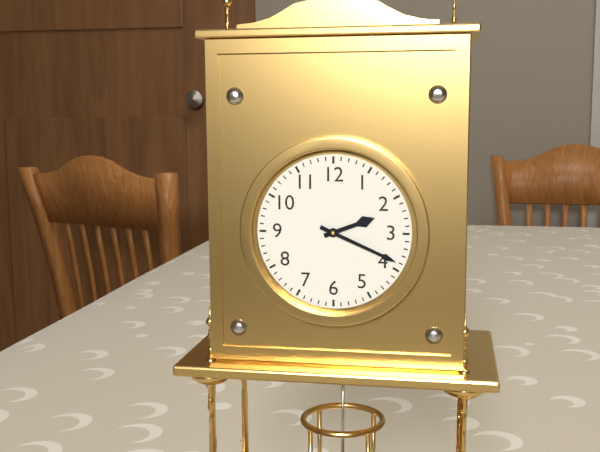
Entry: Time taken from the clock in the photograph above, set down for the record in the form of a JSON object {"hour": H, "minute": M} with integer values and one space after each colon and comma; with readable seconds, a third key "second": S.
{"hour": 2, "minute": 19}
